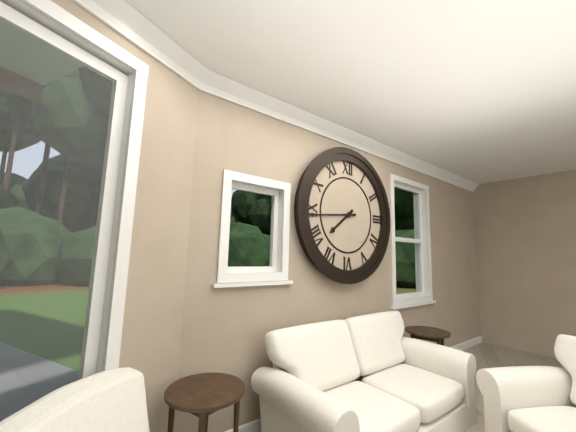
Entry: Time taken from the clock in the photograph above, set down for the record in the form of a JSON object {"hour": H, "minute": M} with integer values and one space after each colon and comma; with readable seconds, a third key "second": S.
{"hour": 7, "minute": 44}
